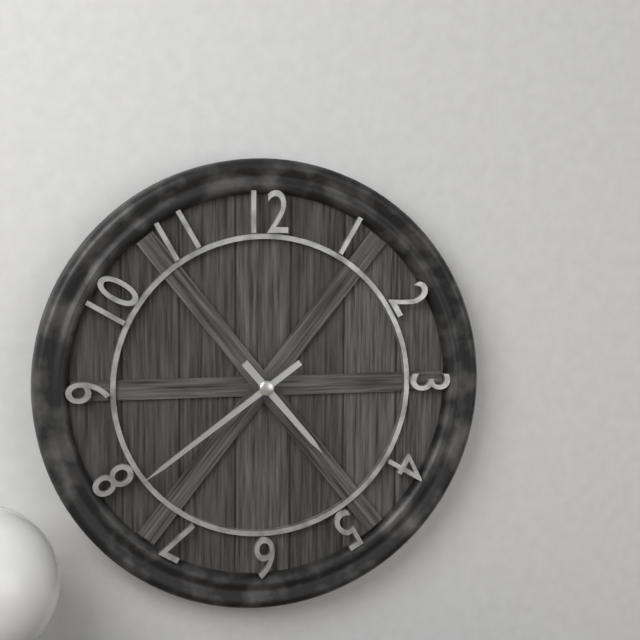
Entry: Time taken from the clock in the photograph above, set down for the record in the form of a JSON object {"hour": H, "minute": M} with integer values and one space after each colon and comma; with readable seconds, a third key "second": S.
{"hour": 4, "minute": 39}
